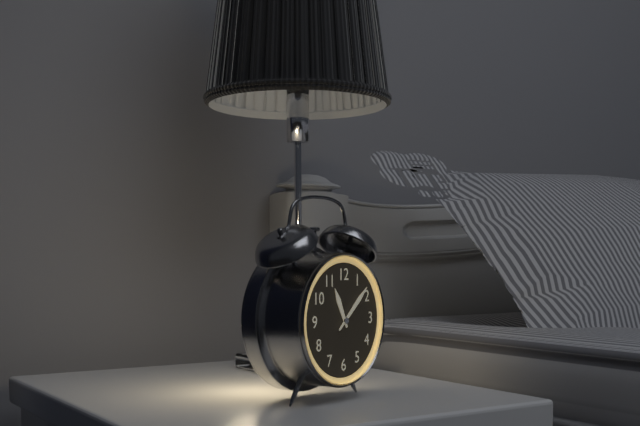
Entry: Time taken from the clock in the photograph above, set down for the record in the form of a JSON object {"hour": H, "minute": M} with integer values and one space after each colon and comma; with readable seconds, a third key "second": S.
{"hour": 11, "minute": 8}
